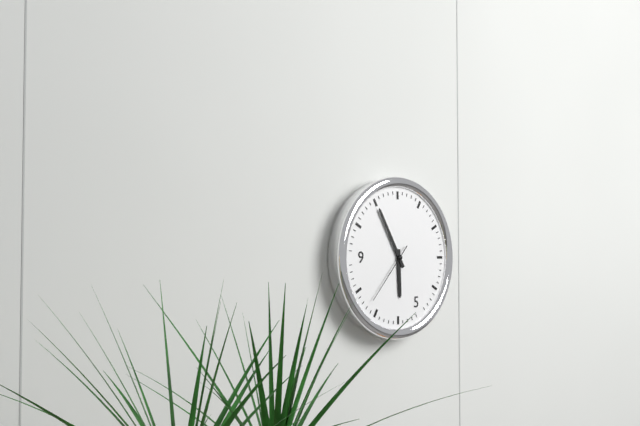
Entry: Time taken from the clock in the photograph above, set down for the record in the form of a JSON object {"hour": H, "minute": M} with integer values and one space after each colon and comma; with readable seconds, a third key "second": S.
{"hour": 5, "minute": 55, "second": 37}
